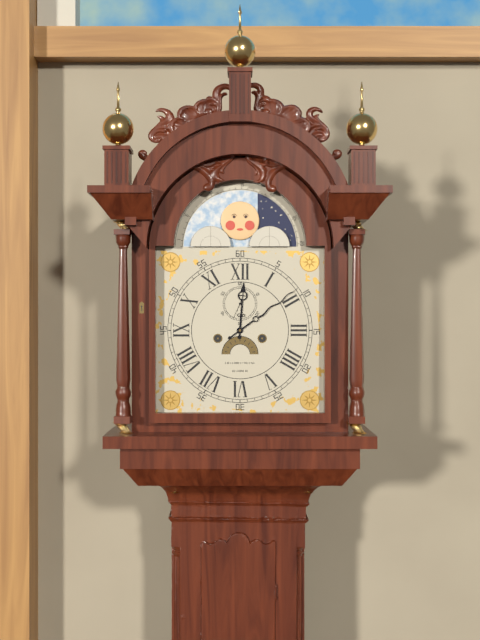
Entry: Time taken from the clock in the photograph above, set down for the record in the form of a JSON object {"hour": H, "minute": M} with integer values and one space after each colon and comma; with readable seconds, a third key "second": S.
{"hour": 12, "minute": 9}
